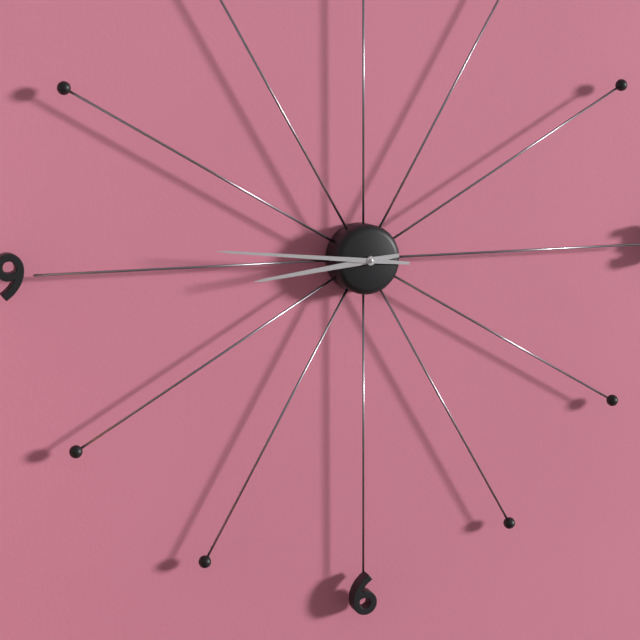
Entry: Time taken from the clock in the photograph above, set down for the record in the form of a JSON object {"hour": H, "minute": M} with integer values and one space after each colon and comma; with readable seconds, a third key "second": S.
{"hour": 8, "minute": 46}
